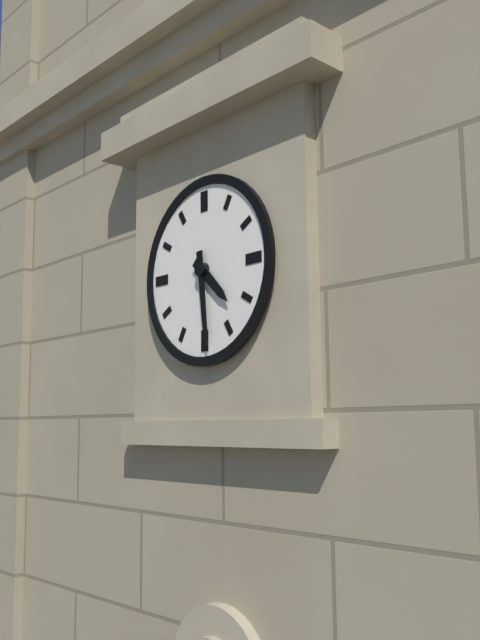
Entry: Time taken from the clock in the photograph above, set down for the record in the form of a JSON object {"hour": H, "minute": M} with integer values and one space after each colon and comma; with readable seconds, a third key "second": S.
{"hour": 4, "minute": 29}
